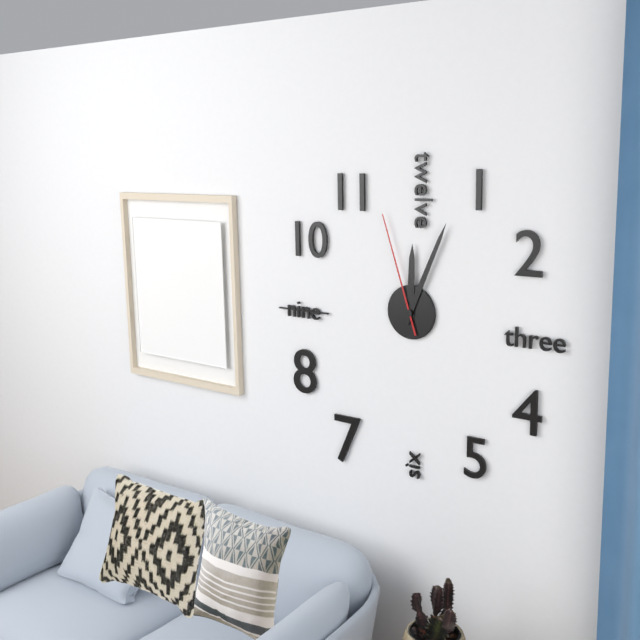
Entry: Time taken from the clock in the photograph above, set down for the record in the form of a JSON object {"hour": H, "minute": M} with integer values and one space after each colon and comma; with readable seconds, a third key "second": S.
{"hour": 12, "minute": 4, "second": 57}
